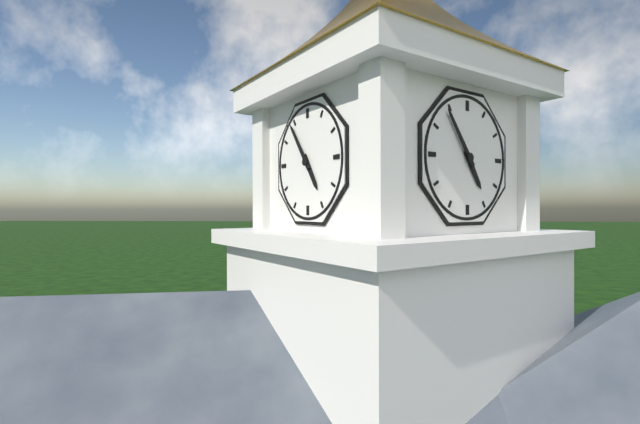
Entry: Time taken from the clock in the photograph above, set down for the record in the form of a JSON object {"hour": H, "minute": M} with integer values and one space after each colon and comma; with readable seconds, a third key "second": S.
{"hour": 4, "minute": 54}
